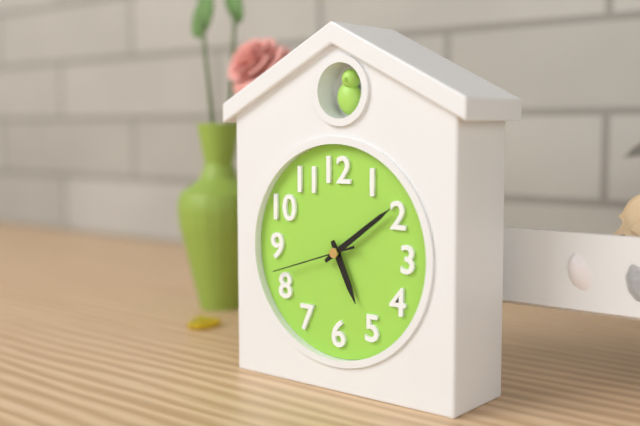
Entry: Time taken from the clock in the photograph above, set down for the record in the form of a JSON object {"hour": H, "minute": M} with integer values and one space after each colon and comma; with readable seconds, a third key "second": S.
{"hour": 5, "minute": 9, "second": 42}
